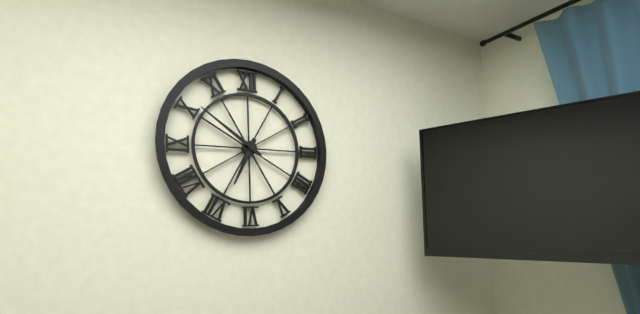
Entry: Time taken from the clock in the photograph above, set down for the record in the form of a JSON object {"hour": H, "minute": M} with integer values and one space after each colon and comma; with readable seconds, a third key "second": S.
{"hour": 6, "minute": 51}
